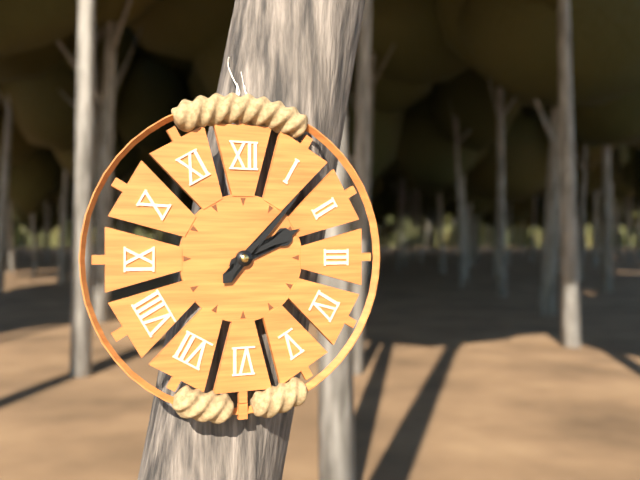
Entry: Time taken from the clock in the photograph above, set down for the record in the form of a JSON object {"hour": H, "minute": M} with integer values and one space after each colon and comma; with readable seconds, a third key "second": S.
{"hour": 2, "minute": 7}
